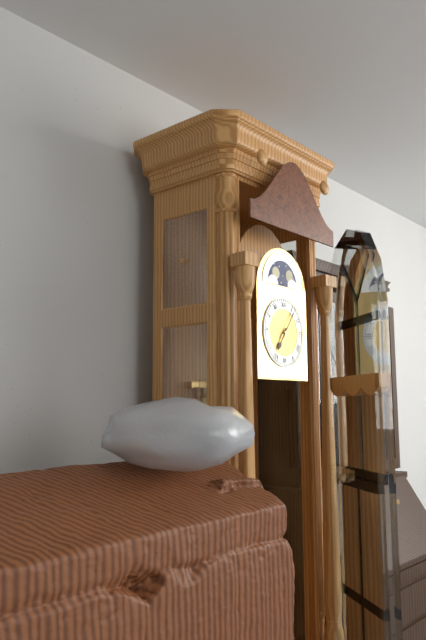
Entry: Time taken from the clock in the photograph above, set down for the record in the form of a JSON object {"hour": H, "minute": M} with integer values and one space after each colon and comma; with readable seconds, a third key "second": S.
{"hour": 7, "minute": 6}
